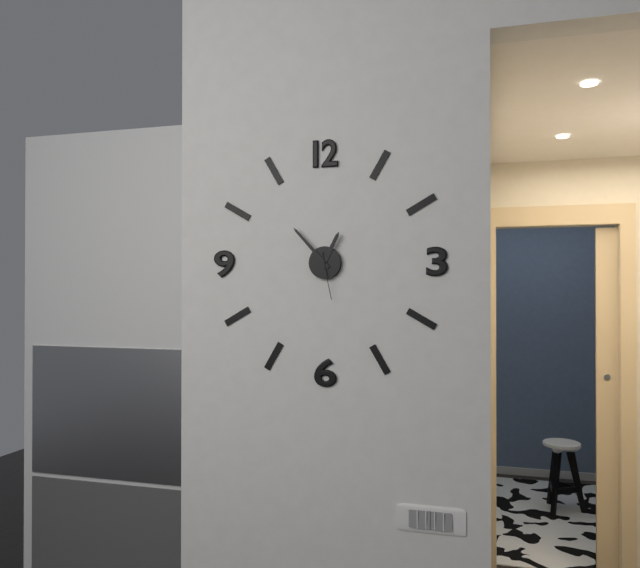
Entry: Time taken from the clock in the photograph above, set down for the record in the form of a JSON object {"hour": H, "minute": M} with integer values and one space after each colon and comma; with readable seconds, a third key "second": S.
{"hour": 12, "minute": 53}
